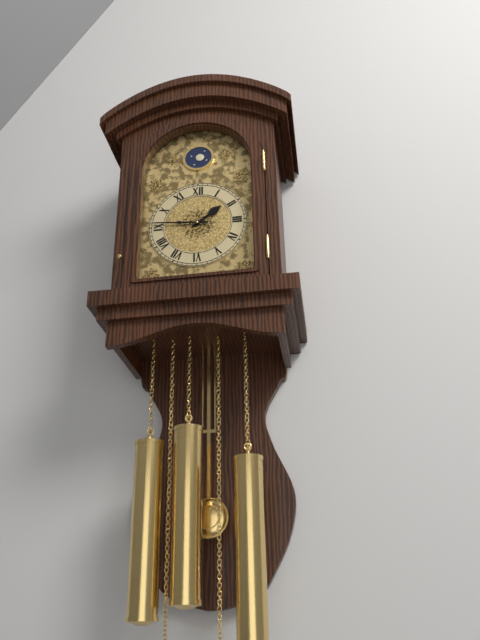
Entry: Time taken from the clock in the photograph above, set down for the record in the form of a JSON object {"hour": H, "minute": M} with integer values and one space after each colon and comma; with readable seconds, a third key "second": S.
{"hour": 1, "minute": 46}
